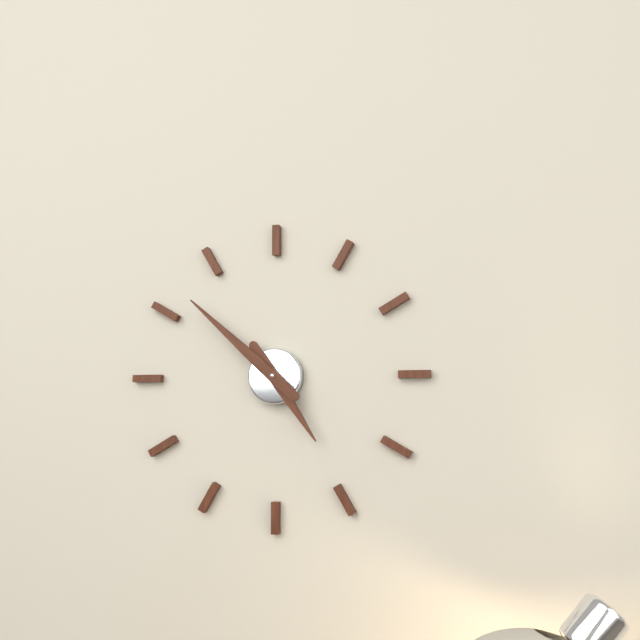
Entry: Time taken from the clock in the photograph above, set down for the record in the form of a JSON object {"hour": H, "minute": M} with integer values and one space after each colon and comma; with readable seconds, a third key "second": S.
{"hour": 4, "minute": 52}
